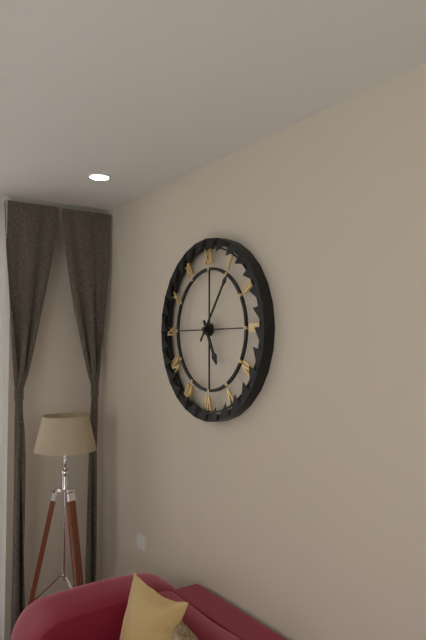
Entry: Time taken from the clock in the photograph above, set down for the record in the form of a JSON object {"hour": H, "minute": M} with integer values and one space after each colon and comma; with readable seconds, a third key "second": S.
{"hour": 5, "minute": 6}
